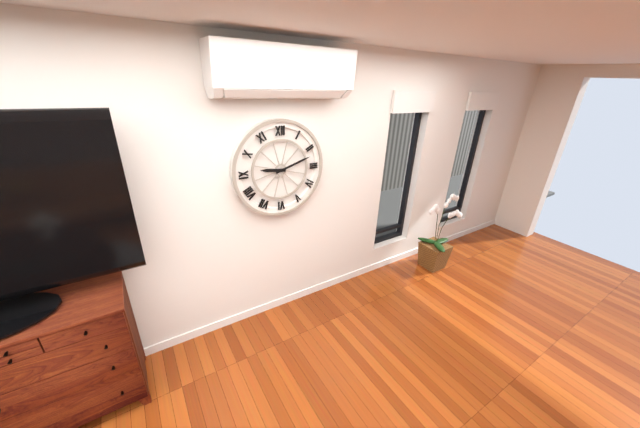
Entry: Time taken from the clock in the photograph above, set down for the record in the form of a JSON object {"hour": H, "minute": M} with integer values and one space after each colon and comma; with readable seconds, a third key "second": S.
{"hour": 9, "minute": 12}
